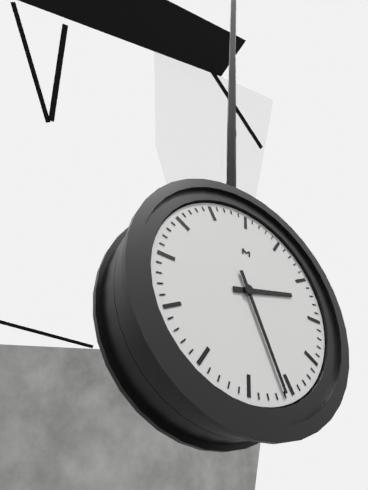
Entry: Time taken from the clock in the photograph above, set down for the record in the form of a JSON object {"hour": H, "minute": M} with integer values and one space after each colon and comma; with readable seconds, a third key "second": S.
{"hour": 2, "minute": 26}
